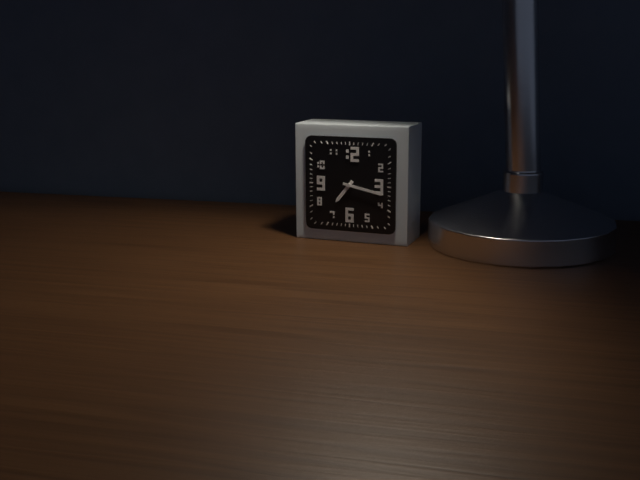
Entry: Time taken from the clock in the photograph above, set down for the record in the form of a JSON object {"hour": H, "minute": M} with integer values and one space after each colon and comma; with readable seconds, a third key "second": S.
{"hour": 7, "minute": 17}
